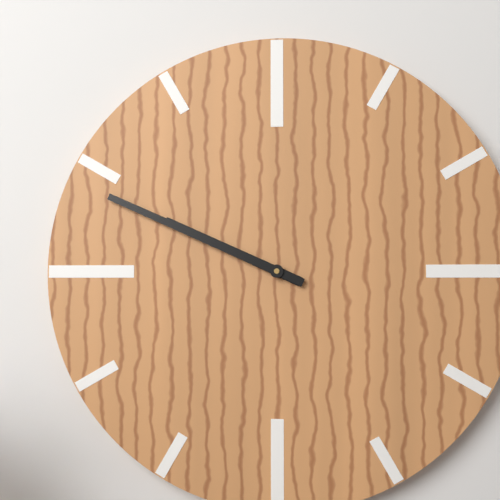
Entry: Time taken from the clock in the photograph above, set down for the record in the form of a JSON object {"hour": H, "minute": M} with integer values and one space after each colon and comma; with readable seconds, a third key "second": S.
{"hour": 9, "minute": 49}
